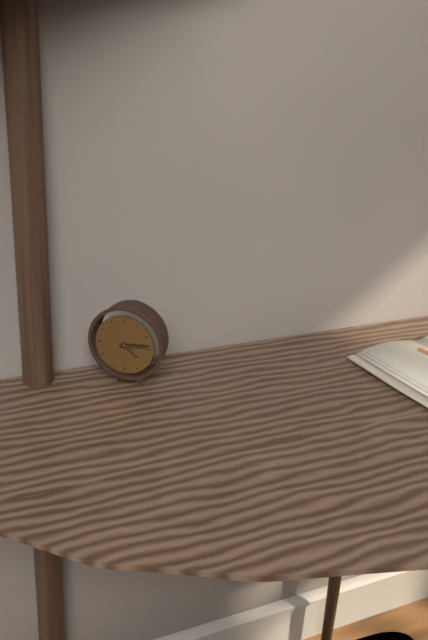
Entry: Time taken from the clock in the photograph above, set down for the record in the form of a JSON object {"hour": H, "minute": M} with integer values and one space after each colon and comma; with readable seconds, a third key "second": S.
{"hour": 4, "minute": 14}
